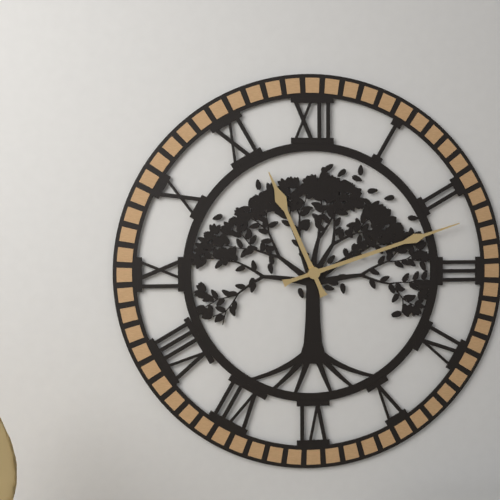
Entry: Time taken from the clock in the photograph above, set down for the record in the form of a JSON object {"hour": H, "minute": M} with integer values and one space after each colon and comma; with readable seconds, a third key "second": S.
{"hour": 11, "minute": 12}
